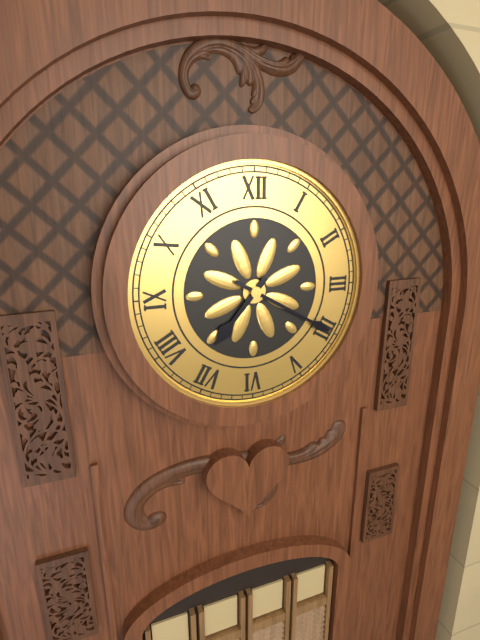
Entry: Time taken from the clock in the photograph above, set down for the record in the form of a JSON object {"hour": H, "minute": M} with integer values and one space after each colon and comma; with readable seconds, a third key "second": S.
{"hour": 7, "minute": 20}
